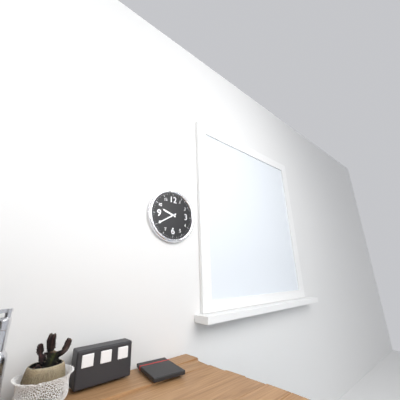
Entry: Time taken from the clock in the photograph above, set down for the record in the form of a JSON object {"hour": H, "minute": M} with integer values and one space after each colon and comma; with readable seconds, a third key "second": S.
{"hour": 9, "minute": 40}
